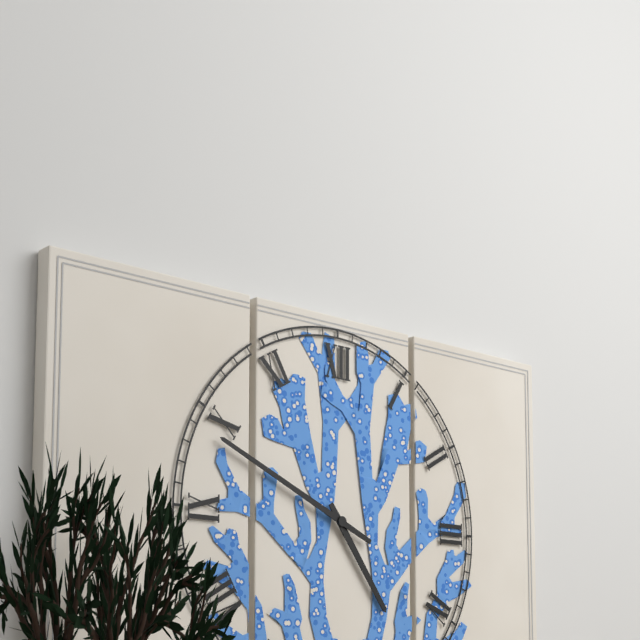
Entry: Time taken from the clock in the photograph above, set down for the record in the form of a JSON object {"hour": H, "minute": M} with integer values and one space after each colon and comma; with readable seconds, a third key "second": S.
{"hour": 4, "minute": 49}
